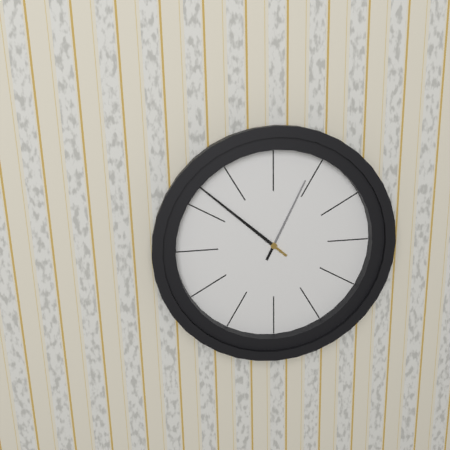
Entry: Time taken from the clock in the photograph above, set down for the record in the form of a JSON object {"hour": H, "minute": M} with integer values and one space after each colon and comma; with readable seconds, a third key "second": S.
{"hour": 12, "minute": 52}
